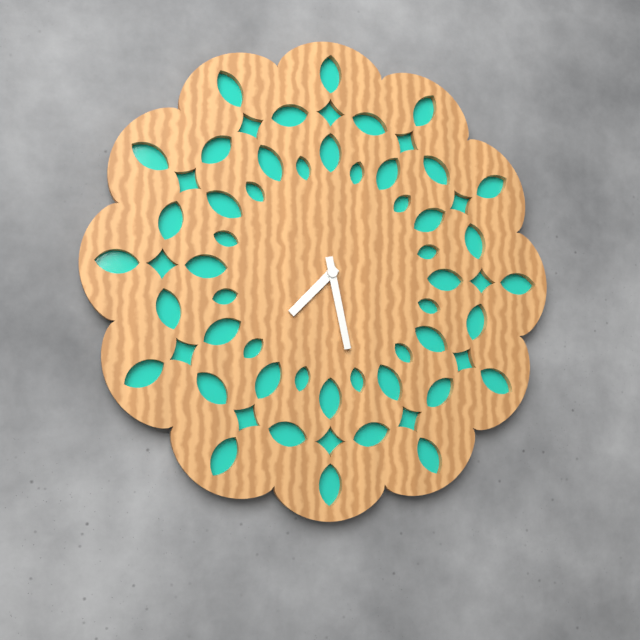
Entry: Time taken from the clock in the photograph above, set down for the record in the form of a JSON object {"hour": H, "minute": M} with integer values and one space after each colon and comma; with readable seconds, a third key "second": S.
{"hour": 7, "minute": 28}
